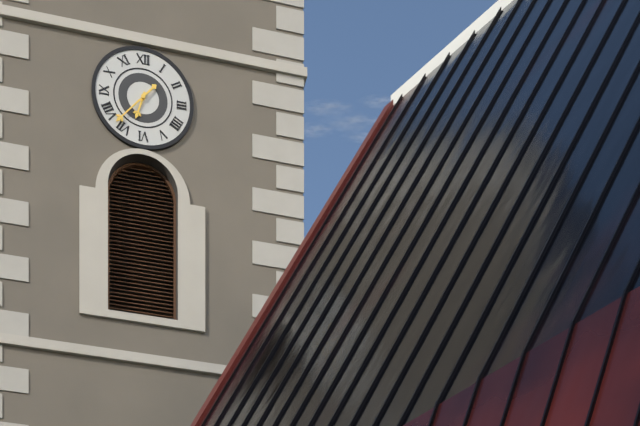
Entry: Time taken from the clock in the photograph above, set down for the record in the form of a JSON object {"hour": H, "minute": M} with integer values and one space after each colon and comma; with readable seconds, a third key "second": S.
{"hour": 6, "minute": 37}
